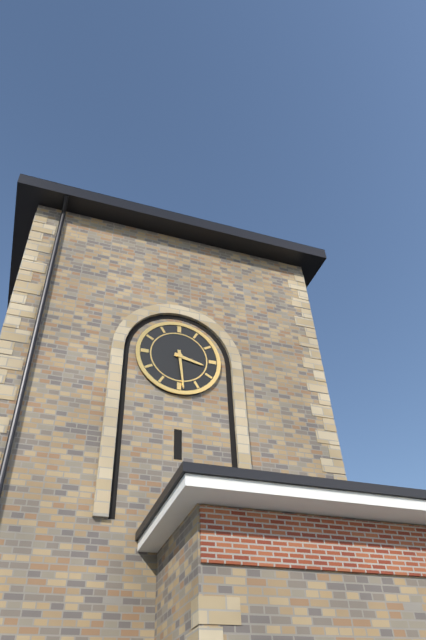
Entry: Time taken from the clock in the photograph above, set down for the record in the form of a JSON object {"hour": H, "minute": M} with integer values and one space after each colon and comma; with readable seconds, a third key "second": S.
{"hour": 3, "minute": 29}
